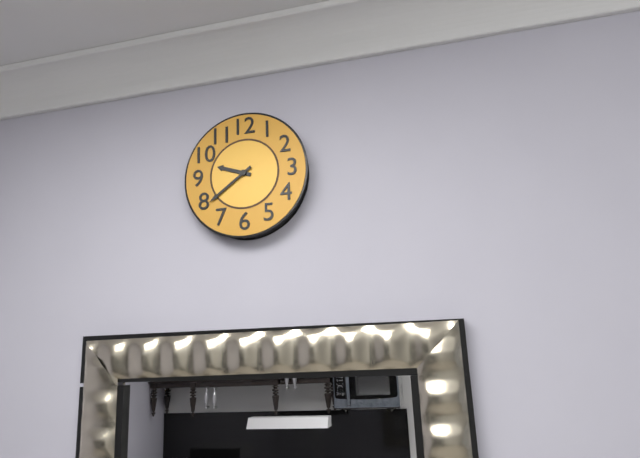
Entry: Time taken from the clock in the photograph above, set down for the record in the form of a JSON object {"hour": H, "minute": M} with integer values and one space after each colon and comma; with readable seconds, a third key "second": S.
{"hour": 9, "minute": 39}
